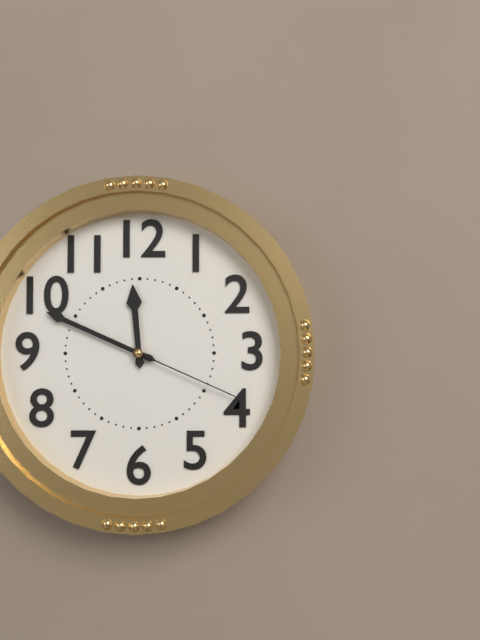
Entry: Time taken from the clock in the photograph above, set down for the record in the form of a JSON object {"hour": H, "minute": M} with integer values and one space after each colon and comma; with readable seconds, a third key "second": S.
{"hour": 11, "minute": 49, "second": 19}
